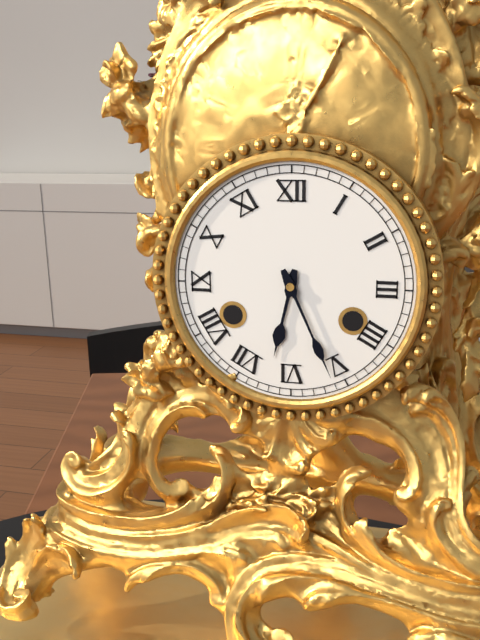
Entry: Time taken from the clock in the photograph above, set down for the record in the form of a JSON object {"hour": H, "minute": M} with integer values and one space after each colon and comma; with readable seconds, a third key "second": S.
{"hour": 6, "minute": 26}
